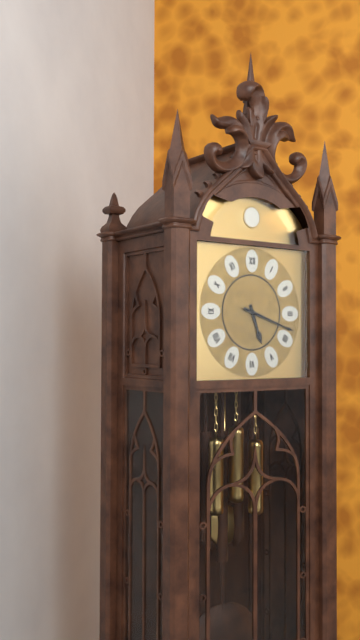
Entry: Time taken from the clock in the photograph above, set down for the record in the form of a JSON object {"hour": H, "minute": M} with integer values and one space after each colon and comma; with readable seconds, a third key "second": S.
{"hour": 5, "minute": 18}
